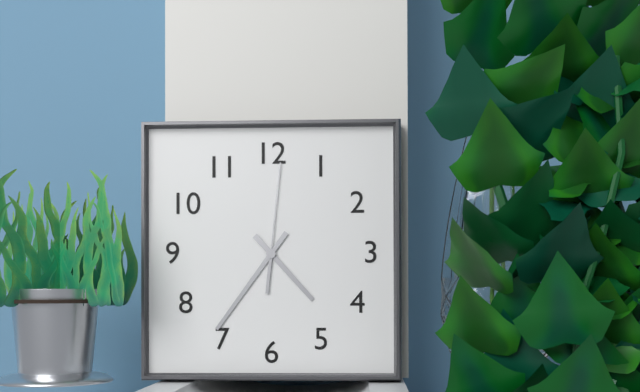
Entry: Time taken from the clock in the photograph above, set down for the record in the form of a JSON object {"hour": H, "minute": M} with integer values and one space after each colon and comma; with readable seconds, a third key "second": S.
{"hour": 4, "minute": 36, "second": 1}
